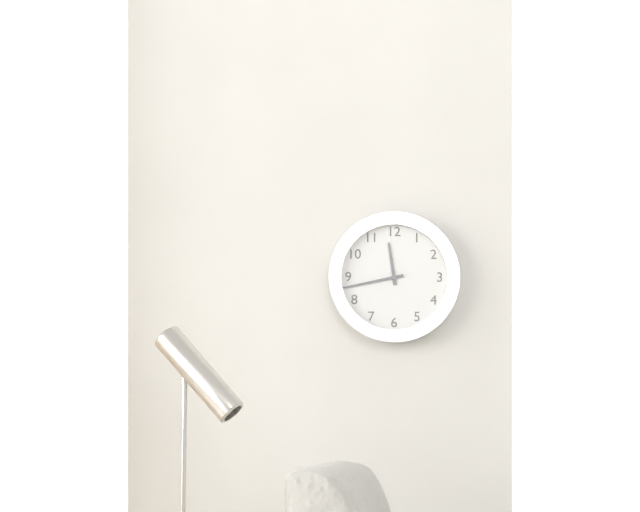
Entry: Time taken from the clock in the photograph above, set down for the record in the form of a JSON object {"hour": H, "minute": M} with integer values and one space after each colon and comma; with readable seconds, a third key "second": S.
{"hour": 11, "minute": 43}
